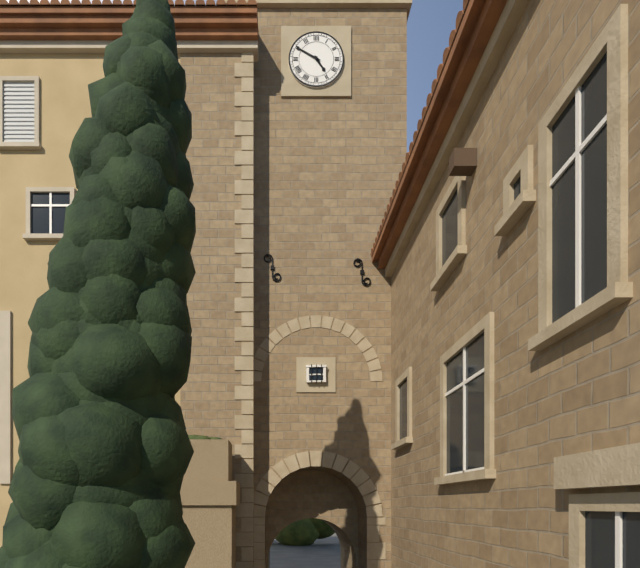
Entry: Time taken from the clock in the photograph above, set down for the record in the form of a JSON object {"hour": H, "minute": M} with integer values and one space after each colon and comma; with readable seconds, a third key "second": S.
{"hour": 4, "minute": 50}
